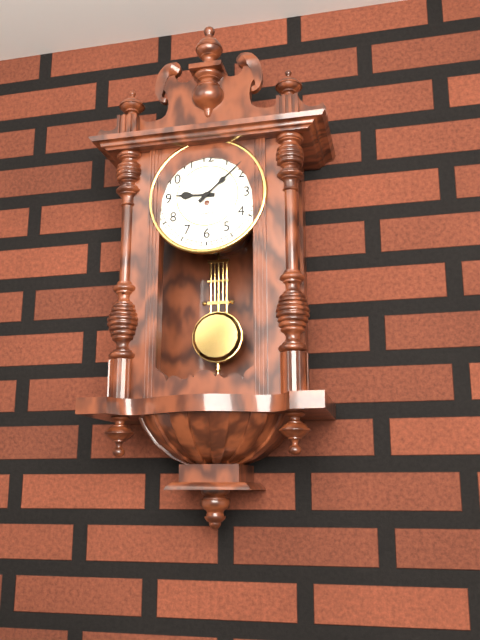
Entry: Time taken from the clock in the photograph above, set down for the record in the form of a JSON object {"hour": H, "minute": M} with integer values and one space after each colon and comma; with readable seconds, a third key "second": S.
{"hour": 9, "minute": 8}
